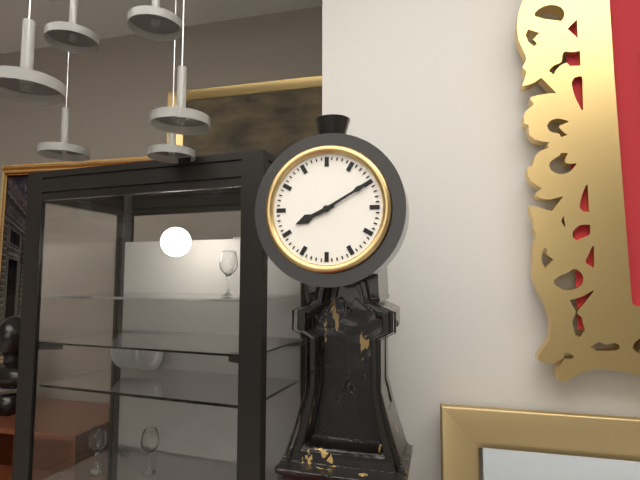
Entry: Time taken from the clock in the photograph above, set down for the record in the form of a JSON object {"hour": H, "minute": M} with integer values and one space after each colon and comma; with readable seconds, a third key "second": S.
{"hour": 8, "minute": 10}
